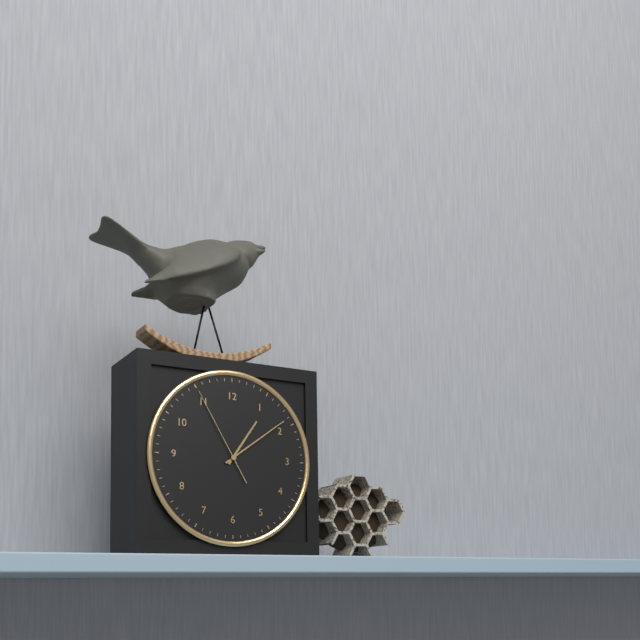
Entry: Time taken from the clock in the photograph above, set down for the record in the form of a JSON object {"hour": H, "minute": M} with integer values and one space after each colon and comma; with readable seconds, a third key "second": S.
{"hour": 1, "minute": 9, "second": 55}
